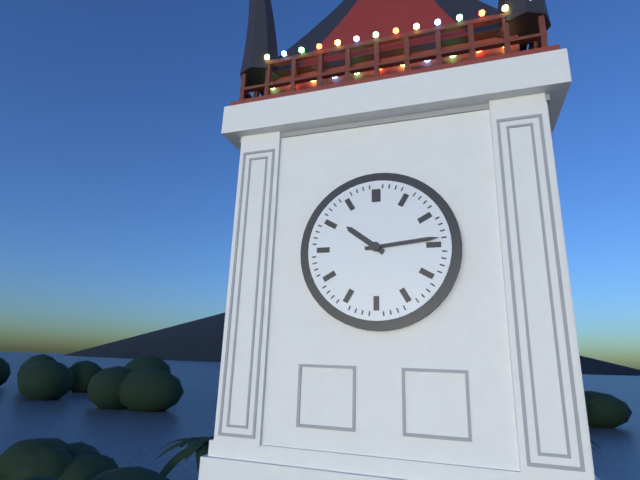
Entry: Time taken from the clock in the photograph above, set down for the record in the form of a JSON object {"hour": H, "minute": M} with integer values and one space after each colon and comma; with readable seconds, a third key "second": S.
{"hour": 10, "minute": 14}
